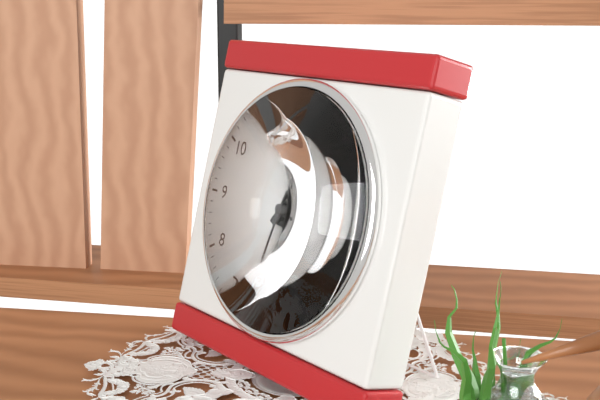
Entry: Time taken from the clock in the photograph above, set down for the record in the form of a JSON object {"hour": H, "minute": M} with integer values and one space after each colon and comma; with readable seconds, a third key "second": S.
{"hour": 1, "minute": 5, "second": 32}
